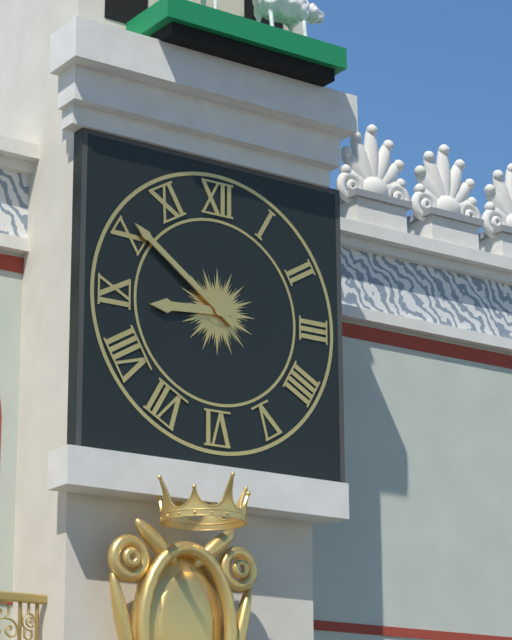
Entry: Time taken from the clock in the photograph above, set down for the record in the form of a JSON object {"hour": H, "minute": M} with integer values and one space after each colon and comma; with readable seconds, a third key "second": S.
{"hour": 8, "minute": 51}
